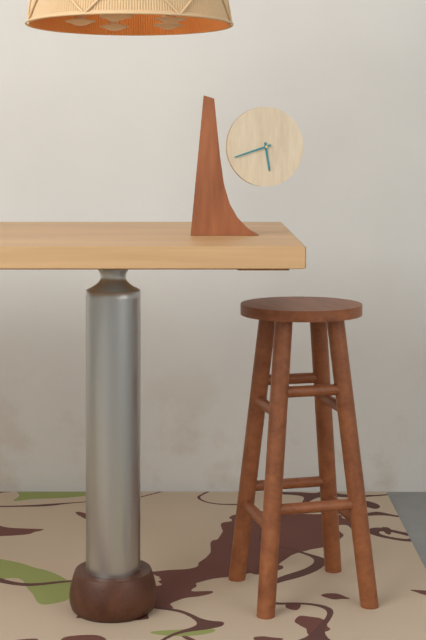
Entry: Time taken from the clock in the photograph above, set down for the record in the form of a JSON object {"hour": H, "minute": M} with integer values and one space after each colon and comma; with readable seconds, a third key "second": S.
{"hour": 5, "minute": 42}
